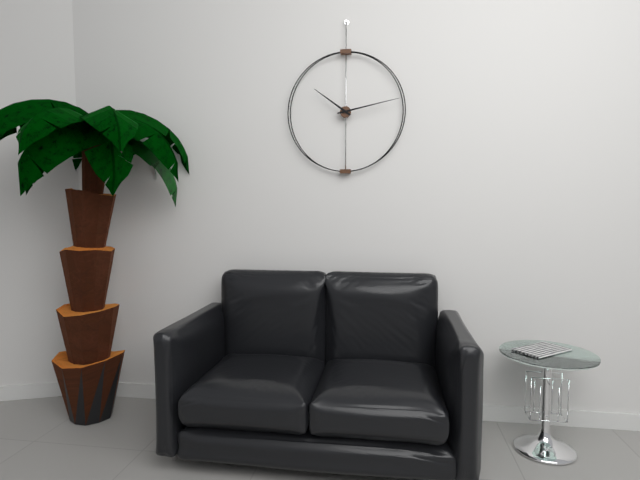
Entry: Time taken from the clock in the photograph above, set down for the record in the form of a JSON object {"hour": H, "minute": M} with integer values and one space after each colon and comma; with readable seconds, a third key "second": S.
{"hour": 10, "minute": 13}
